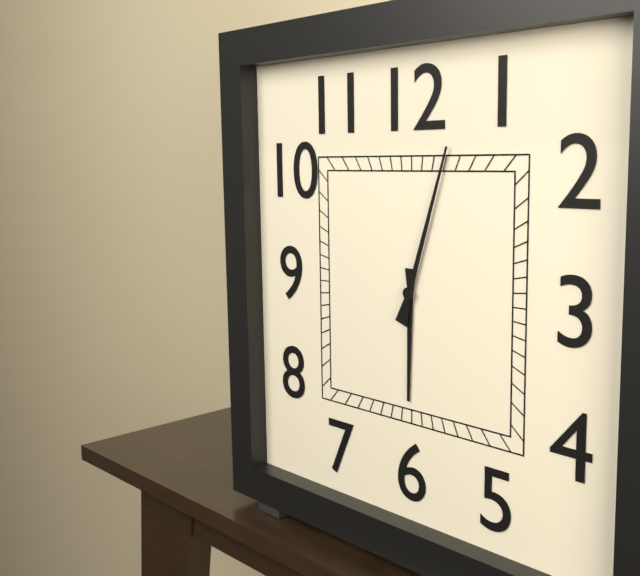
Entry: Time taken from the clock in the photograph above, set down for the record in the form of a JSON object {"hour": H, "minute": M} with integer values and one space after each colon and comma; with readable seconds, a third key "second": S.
{"hour": 6, "minute": 3}
